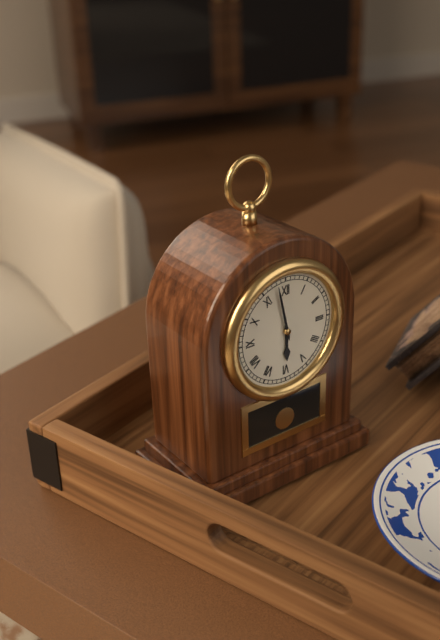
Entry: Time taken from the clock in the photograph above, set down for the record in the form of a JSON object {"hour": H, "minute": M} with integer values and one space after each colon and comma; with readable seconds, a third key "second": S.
{"hour": 5, "minute": 58}
